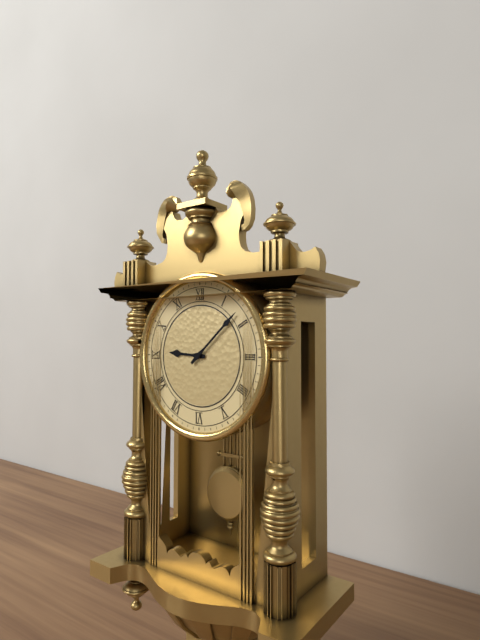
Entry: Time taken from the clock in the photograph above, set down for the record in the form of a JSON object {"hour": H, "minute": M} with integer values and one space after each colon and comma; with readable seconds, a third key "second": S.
{"hour": 9, "minute": 8}
